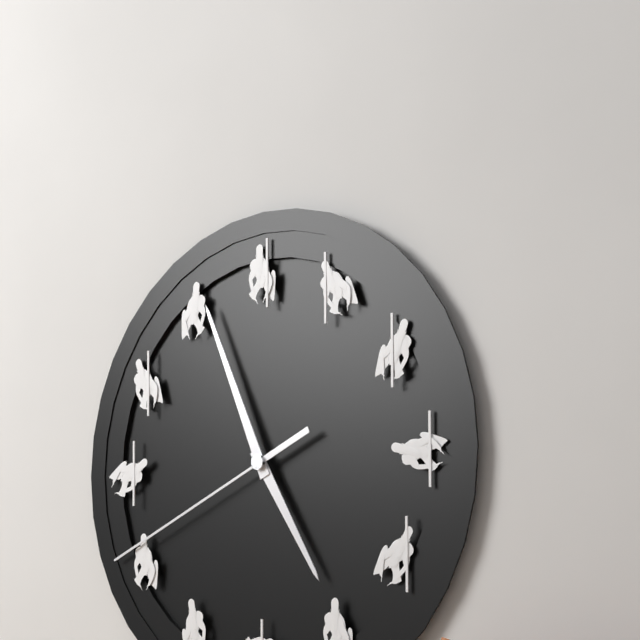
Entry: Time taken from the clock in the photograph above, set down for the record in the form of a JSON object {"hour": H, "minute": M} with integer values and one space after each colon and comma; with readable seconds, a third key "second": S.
{"hour": 4, "minute": 56, "second": 41}
